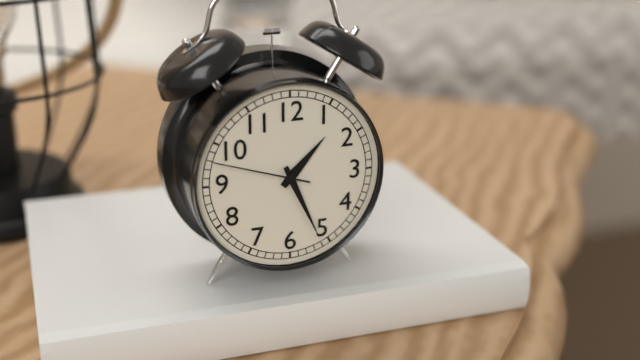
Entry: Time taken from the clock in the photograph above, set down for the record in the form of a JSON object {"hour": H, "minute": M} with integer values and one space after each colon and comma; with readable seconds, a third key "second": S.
{"hour": 1, "minute": 26, "second": 48}
